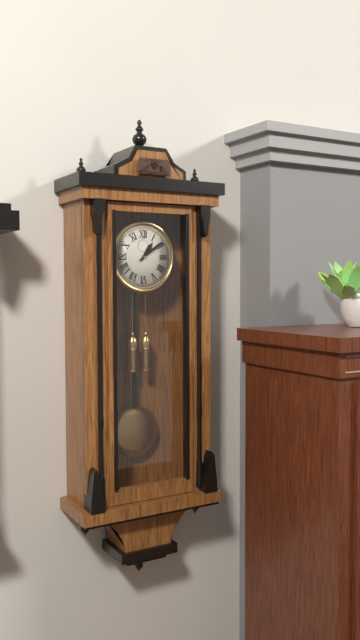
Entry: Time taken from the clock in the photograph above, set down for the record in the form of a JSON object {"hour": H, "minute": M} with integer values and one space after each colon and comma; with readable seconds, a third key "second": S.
{"hour": 1, "minute": 9}
